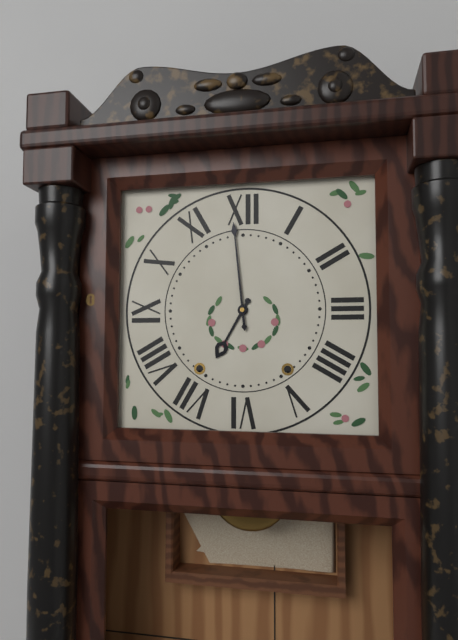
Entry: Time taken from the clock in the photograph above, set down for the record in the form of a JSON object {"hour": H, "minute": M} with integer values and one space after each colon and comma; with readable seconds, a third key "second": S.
{"hour": 6, "minute": 59}
